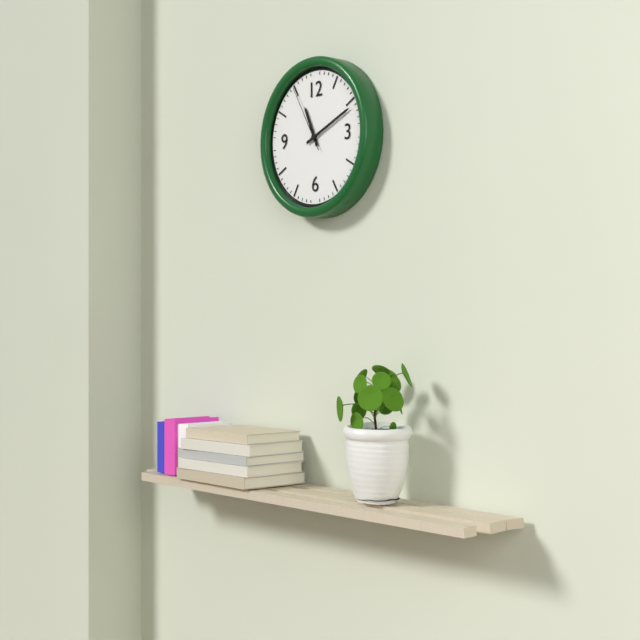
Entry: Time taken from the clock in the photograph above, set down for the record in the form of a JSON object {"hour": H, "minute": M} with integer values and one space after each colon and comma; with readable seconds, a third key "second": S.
{"hour": 11, "minute": 11, "second": 55}
